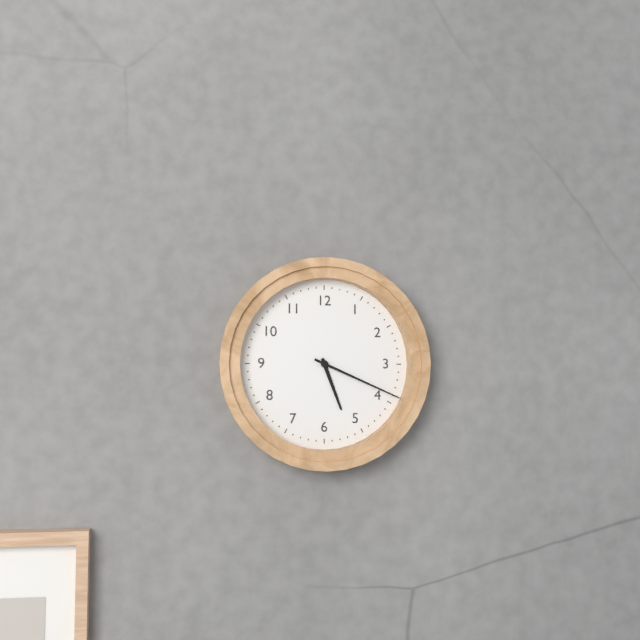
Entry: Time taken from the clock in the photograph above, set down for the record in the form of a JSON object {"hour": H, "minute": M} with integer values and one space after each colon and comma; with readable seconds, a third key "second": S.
{"hour": 5, "minute": 19}
